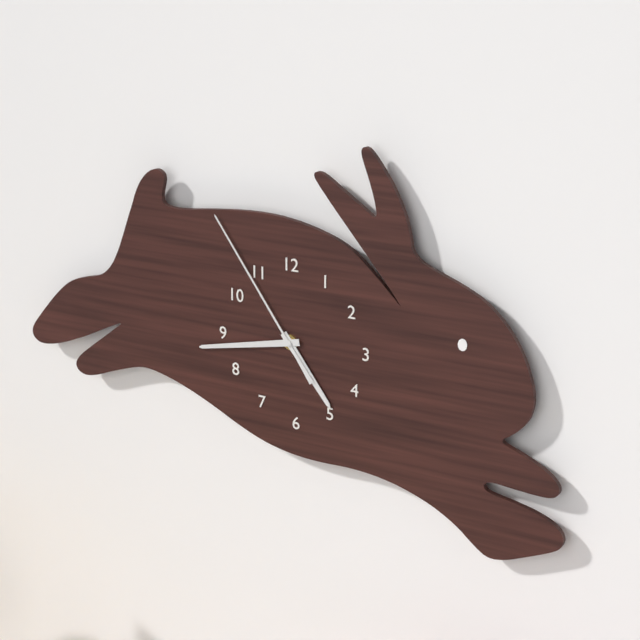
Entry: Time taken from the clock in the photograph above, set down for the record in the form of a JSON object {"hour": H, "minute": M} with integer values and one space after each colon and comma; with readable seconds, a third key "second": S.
{"hour": 4, "minute": 43, "second": 54}
